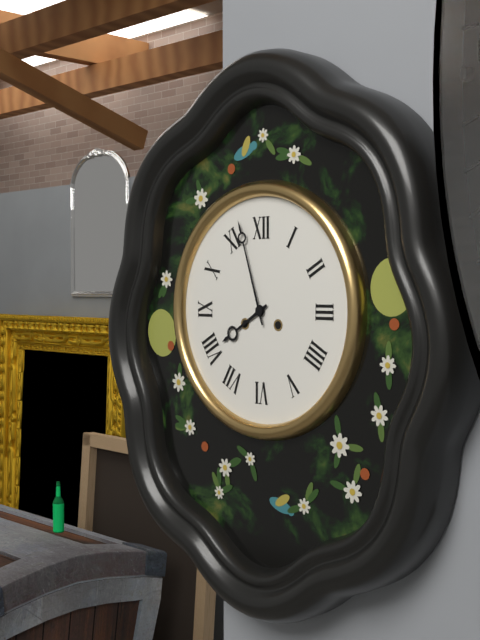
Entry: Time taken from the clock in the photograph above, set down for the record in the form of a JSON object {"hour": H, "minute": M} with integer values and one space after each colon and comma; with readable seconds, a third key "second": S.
{"hour": 7, "minute": 57}
